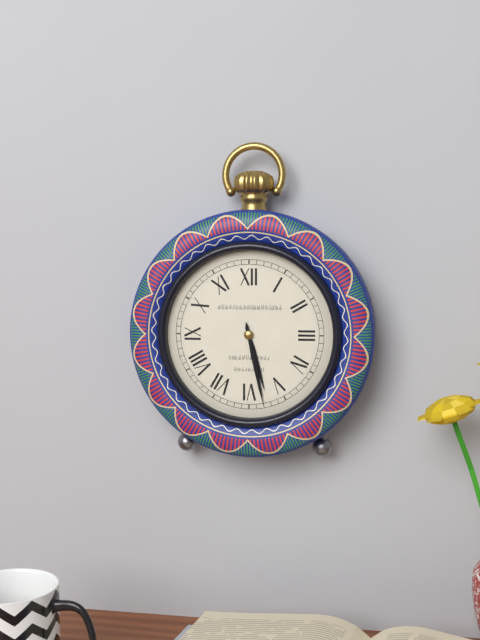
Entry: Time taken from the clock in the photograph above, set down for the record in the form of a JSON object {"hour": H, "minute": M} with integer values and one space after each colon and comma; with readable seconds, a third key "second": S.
{"hour": 5, "minute": 28}
